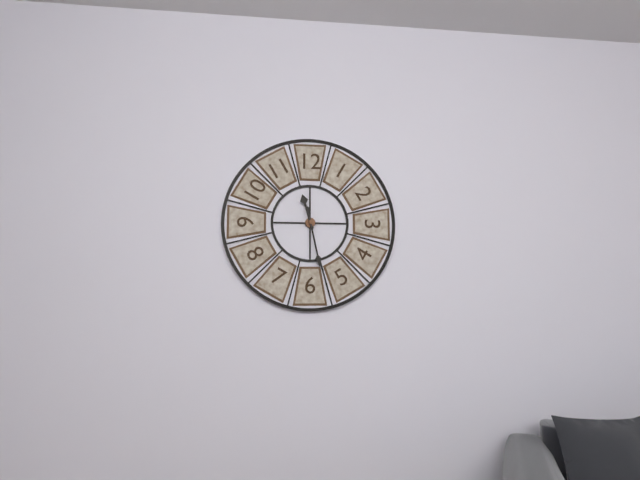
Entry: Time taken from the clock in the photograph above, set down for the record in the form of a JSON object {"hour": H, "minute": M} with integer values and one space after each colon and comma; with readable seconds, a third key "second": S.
{"hour": 11, "minute": 28}
